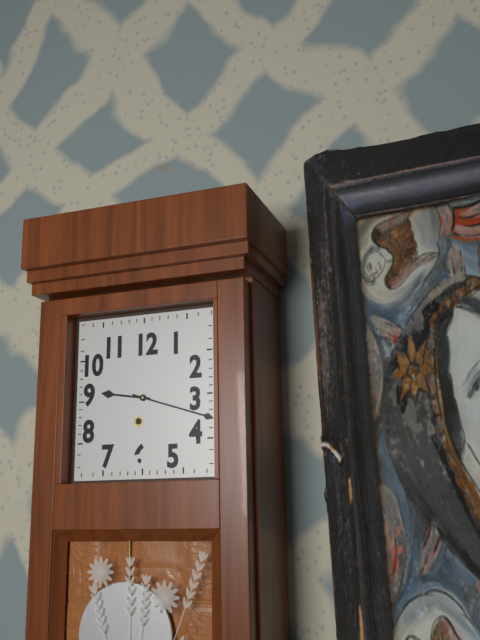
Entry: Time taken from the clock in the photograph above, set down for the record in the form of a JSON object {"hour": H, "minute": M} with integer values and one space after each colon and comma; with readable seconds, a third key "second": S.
{"hour": 9, "minute": 18}
